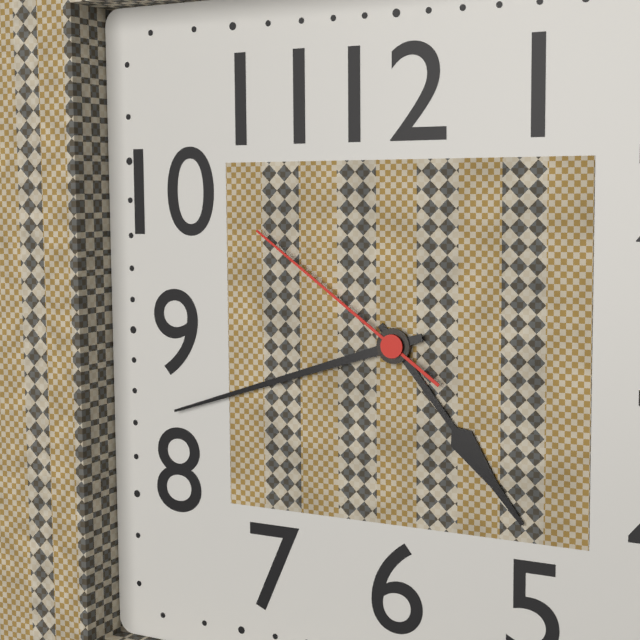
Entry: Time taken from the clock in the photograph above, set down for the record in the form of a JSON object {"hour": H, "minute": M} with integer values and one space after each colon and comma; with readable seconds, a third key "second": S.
{"hour": 4, "minute": 42, "second": 51}
